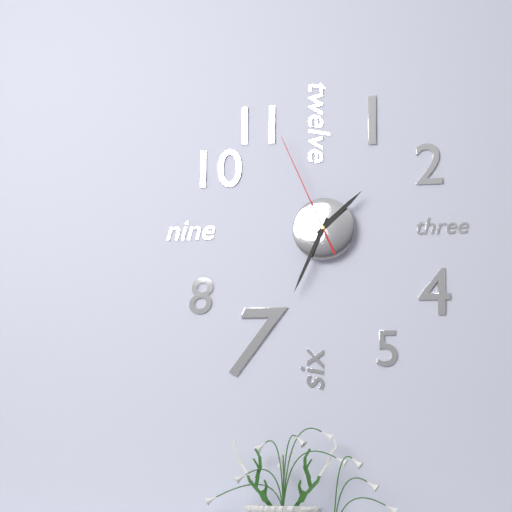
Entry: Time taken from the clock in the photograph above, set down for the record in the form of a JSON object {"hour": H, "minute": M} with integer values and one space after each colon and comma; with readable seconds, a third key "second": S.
{"hour": 1, "minute": 34, "second": 56}
